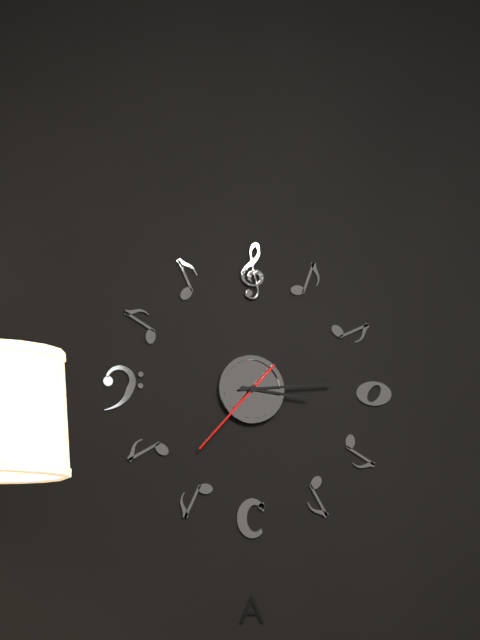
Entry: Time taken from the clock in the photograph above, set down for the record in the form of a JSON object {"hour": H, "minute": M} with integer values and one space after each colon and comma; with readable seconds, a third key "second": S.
{"hour": 3, "minute": 14, "second": 37}
